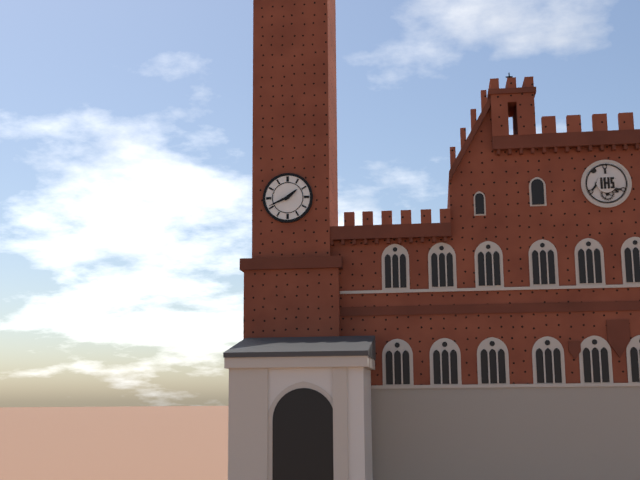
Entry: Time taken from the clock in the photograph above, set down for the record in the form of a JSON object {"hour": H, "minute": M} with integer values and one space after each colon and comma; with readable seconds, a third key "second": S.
{"hour": 1, "minute": 41}
